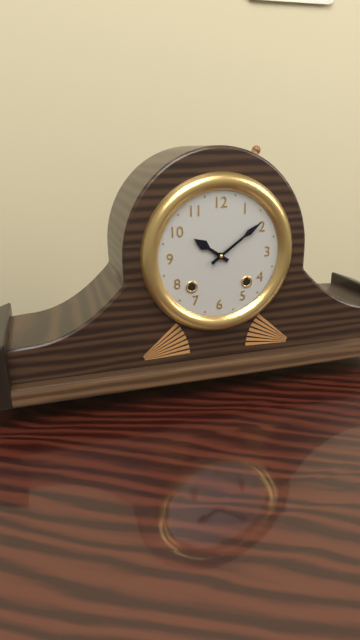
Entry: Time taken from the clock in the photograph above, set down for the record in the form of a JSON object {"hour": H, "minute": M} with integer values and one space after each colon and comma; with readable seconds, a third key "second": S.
{"hour": 10, "minute": 9}
